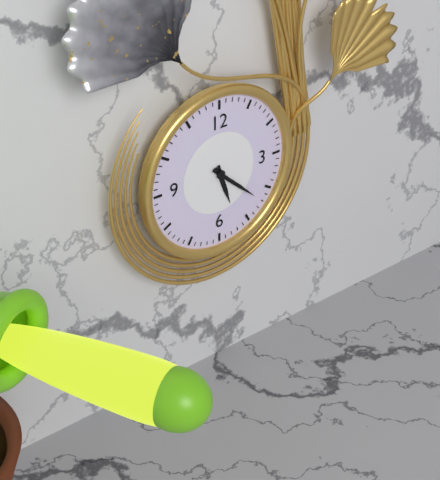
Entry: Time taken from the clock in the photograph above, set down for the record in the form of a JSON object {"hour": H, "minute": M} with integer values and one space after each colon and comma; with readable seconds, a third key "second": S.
{"hour": 5, "minute": 22}
